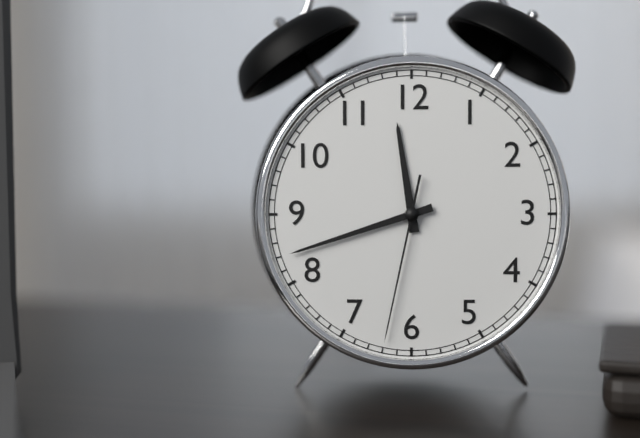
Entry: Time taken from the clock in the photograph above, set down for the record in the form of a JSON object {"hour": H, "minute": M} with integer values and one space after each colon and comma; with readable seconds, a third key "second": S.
{"hour": 11, "minute": 42, "second": 32}
